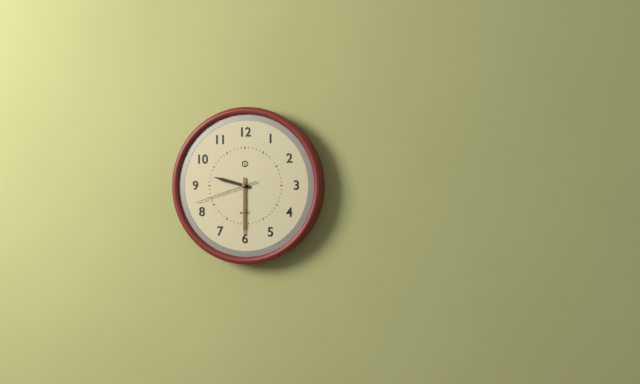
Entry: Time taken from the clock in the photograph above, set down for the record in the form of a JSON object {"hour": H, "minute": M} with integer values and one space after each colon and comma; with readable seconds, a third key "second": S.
{"hour": 9, "minute": 30, "second": 42}
